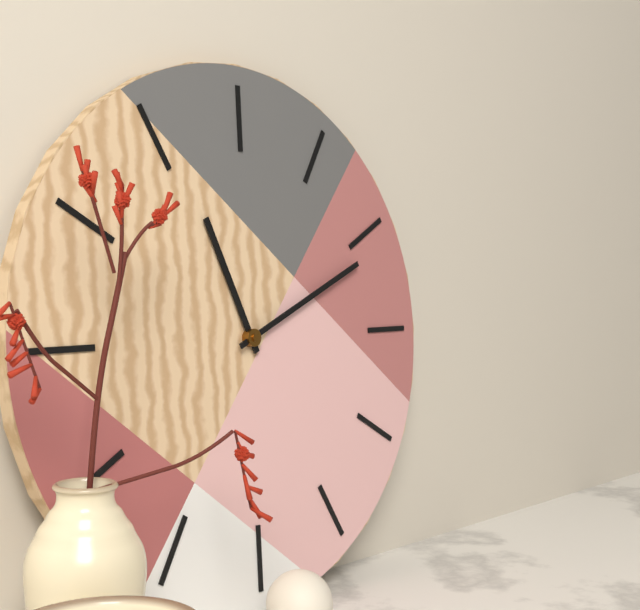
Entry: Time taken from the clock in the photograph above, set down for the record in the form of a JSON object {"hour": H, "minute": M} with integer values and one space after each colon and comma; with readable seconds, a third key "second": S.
{"hour": 11, "minute": 11}
